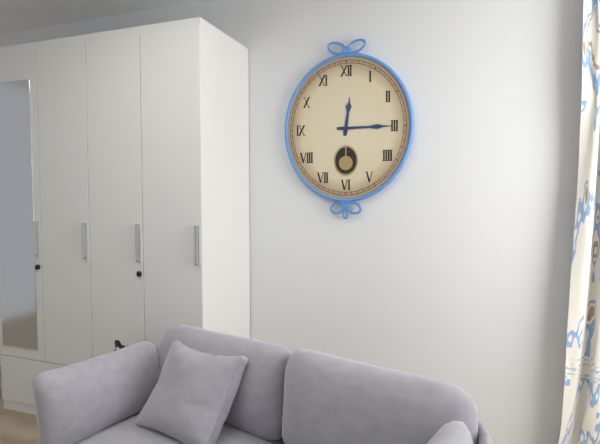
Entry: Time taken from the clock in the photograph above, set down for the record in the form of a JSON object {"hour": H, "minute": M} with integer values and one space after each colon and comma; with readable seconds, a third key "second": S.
{"hour": 12, "minute": 15}
